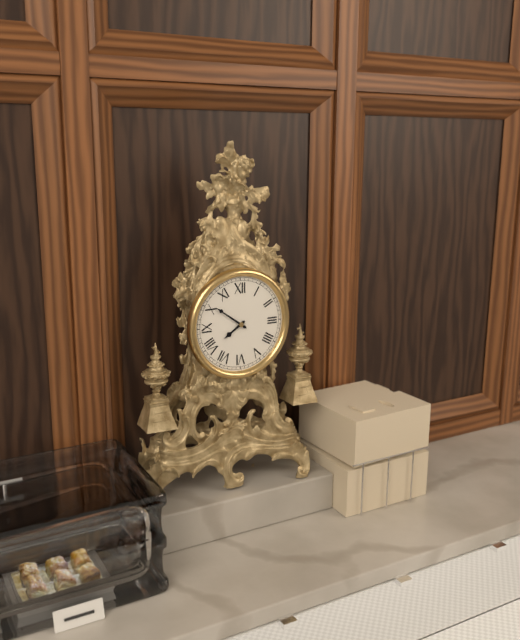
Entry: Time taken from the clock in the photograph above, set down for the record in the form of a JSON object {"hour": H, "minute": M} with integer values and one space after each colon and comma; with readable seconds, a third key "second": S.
{"hour": 7, "minute": 51}
